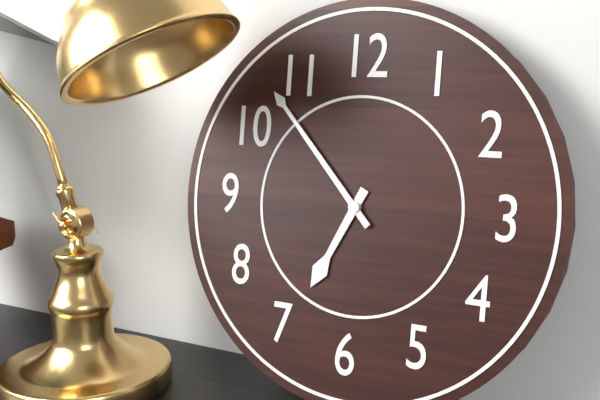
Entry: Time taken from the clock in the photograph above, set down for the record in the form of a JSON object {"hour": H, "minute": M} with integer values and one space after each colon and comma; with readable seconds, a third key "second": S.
{"hour": 6, "minute": 53}
